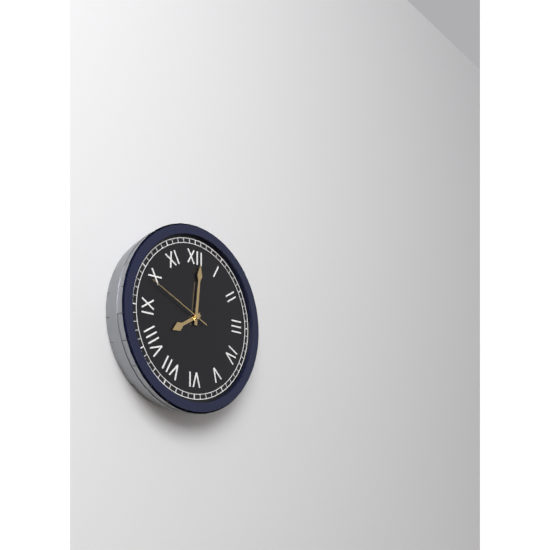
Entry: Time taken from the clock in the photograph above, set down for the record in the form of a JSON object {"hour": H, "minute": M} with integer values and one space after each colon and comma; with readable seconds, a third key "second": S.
{"hour": 8, "minute": 1, "second": 49}
